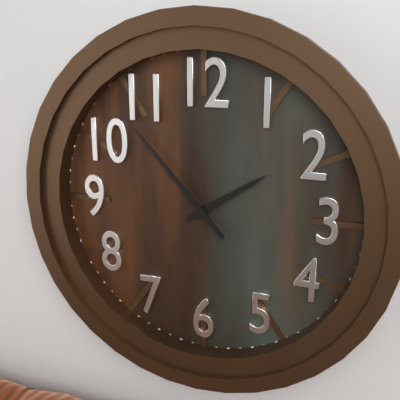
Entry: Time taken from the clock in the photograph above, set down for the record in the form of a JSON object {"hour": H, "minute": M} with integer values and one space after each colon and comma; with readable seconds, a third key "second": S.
{"hour": 1, "minute": 53}
